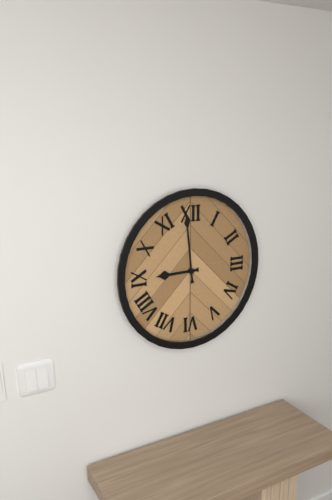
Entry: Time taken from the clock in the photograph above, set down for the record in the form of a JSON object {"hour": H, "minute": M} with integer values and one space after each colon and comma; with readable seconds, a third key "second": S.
{"hour": 8, "minute": 59}
